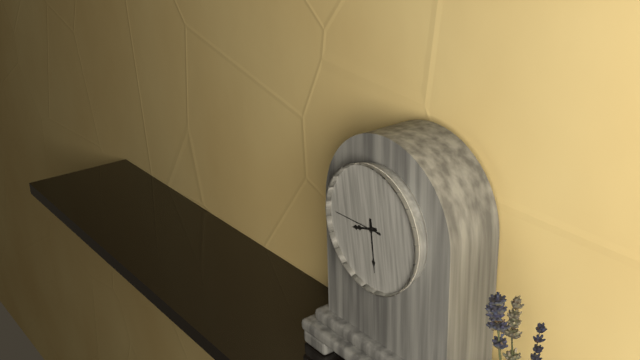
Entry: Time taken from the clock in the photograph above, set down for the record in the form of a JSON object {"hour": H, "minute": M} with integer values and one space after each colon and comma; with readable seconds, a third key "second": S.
{"hour": 8, "minute": 29}
